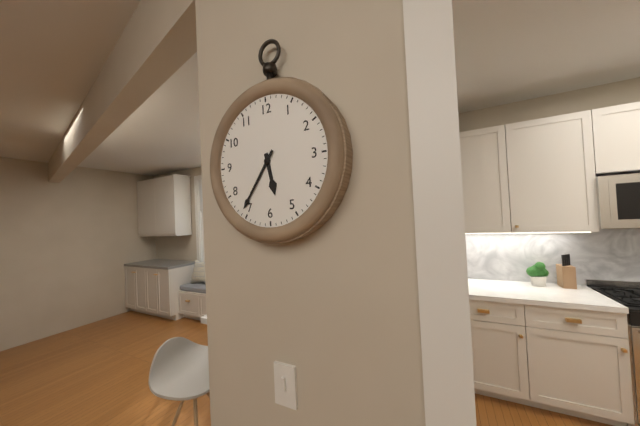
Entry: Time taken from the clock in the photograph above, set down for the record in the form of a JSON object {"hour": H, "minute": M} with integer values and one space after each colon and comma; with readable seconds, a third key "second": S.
{"hour": 5, "minute": 36}
